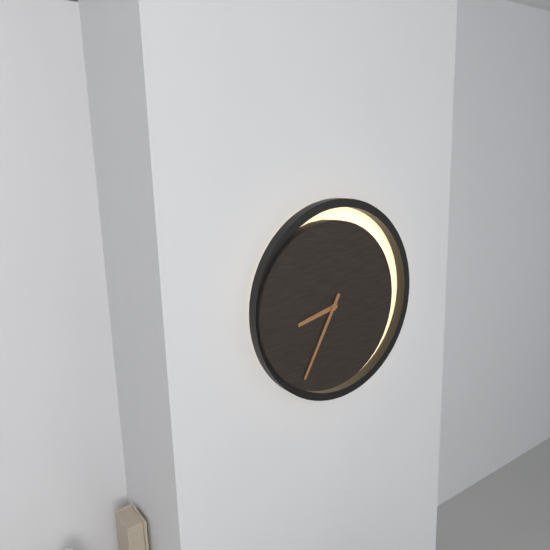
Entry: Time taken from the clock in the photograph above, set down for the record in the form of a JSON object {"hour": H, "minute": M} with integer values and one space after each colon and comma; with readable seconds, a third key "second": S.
{"hour": 8, "minute": 35}
